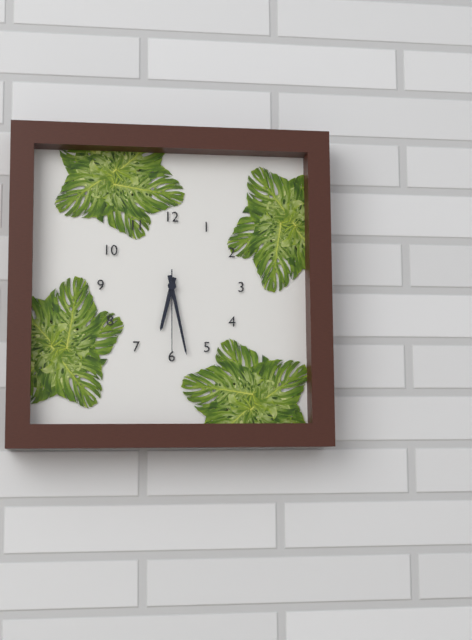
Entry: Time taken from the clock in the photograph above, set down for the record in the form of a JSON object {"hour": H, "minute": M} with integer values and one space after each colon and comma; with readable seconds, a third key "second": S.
{"hour": 6, "minute": 28, "second": 30}
